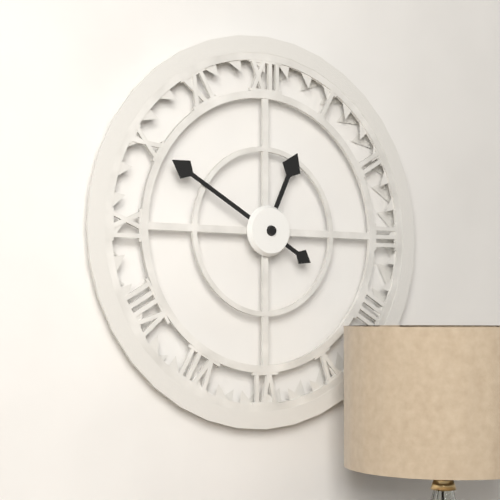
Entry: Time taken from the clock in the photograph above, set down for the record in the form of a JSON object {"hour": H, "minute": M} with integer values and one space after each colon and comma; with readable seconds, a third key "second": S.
{"hour": 12, "minute": 50}
